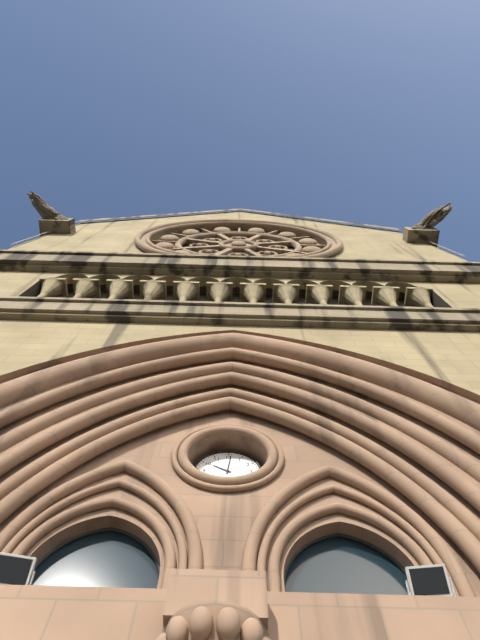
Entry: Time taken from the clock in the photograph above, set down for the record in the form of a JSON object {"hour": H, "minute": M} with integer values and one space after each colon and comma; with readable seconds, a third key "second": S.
{"hour": 10, "minute": 1}
